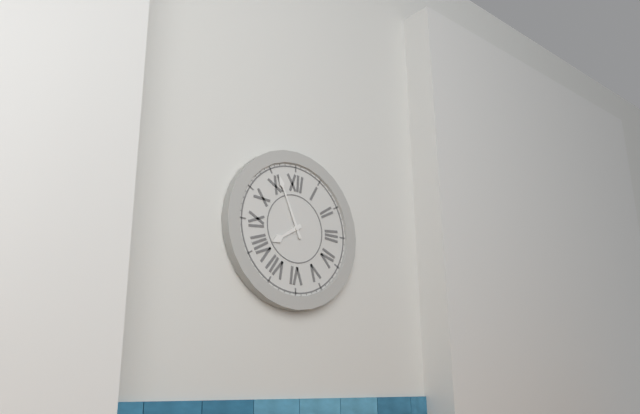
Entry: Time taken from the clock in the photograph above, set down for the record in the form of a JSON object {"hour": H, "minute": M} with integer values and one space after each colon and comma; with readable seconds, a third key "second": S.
{"hour": 7, "minute": 56}
